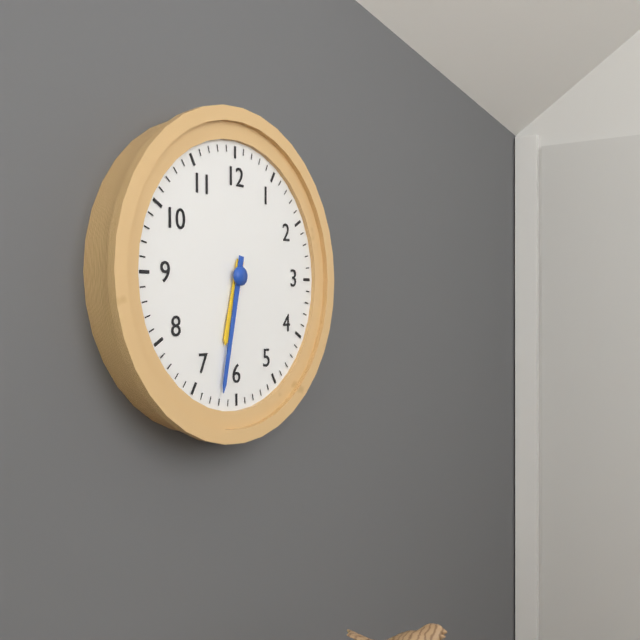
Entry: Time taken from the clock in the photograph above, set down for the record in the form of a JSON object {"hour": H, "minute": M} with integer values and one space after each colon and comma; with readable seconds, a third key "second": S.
{"hour": 6, "minute": 32}
